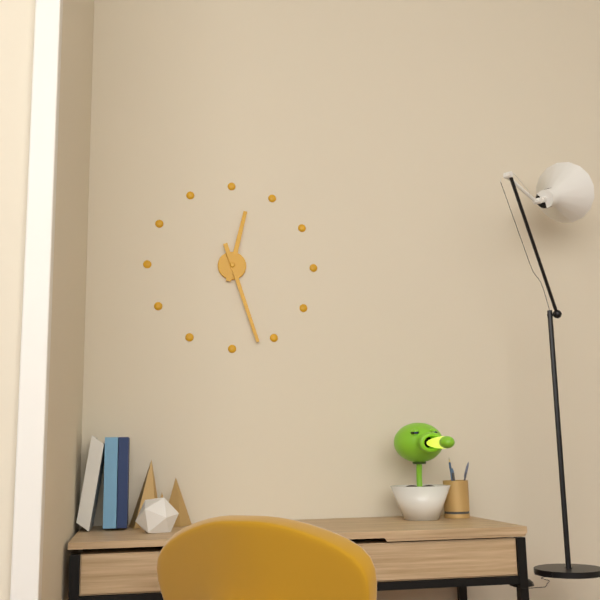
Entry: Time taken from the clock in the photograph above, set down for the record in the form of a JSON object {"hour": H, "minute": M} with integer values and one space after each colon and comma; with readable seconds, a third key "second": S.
{"hour": 12, "minute": 27}
